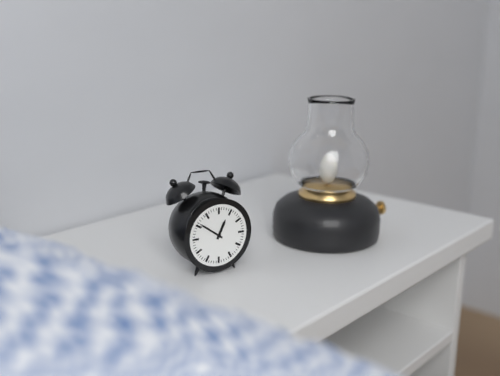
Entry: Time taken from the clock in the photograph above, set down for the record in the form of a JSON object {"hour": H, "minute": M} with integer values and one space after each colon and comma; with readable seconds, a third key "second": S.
{"hour": 12, "minute": 51}
